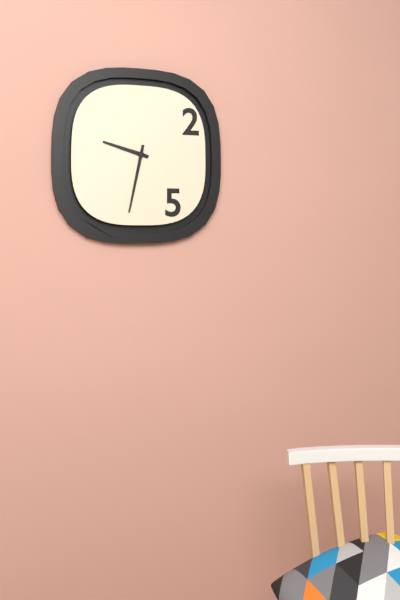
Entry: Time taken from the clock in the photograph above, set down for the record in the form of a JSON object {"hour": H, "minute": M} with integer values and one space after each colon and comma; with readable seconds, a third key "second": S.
{"hour": 9, "minute": 32}
